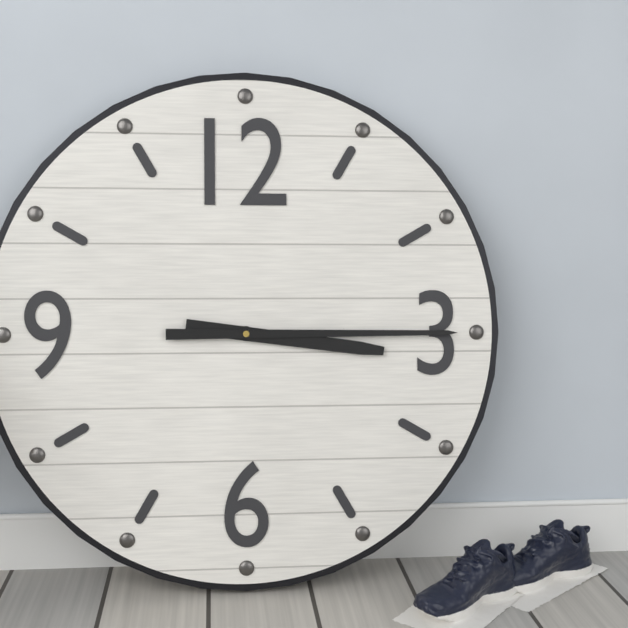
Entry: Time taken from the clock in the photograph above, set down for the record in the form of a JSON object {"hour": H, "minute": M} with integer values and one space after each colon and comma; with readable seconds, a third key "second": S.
{"hour": 3, "minute": 15}
